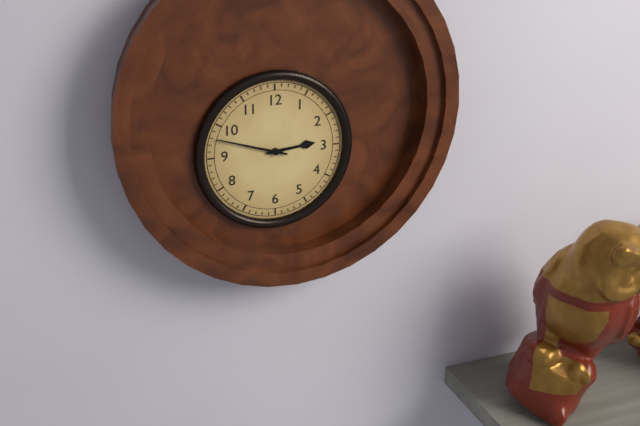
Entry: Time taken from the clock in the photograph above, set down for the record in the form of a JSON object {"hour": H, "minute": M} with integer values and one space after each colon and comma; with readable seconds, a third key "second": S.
{"hour": 2, "minute": 48}
